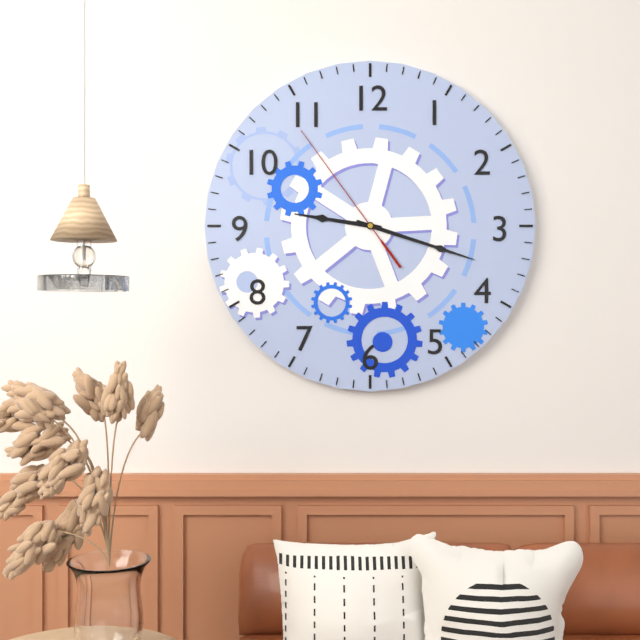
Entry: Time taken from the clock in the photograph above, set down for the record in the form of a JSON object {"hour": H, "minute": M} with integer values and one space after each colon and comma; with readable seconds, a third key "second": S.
{"hour": 9, "minute": 18, "second": 54}
